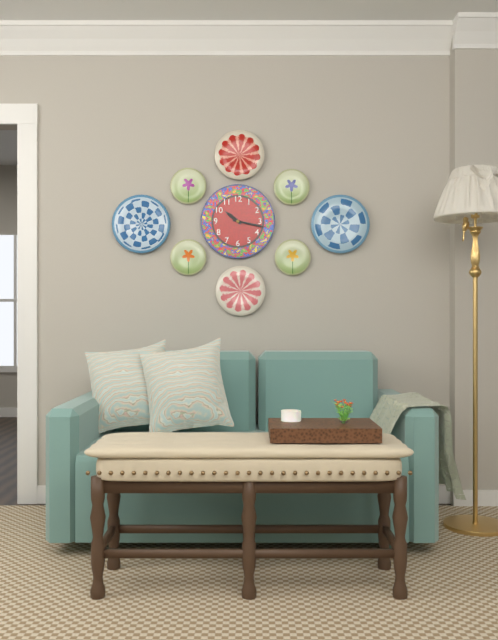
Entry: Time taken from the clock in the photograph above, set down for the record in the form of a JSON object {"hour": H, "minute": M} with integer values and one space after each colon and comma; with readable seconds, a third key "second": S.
{"hour": 10, "minute": 17}
